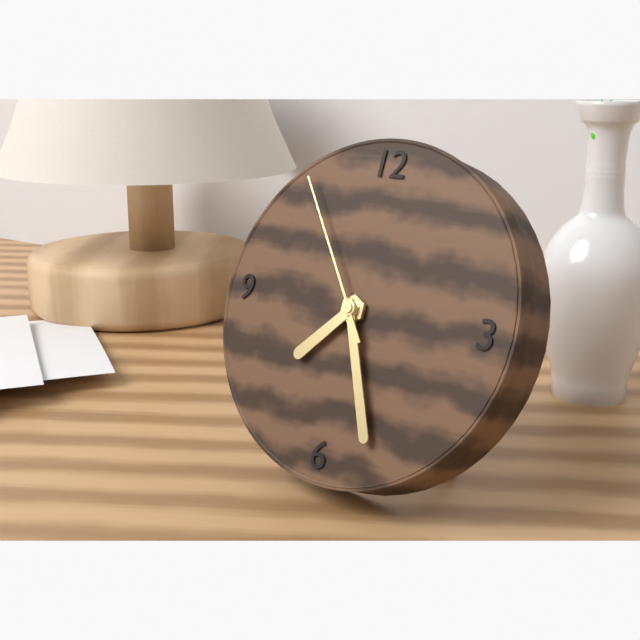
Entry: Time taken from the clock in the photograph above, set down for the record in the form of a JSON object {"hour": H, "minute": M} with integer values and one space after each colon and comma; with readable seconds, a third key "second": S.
{"hour": 7, "minute": 26, "second": 54}
